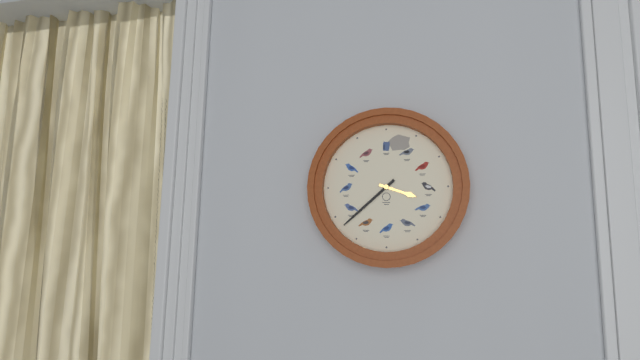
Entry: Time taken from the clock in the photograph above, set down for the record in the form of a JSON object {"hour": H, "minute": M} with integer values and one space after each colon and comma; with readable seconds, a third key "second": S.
{"hour": 3, "minute": 38}
